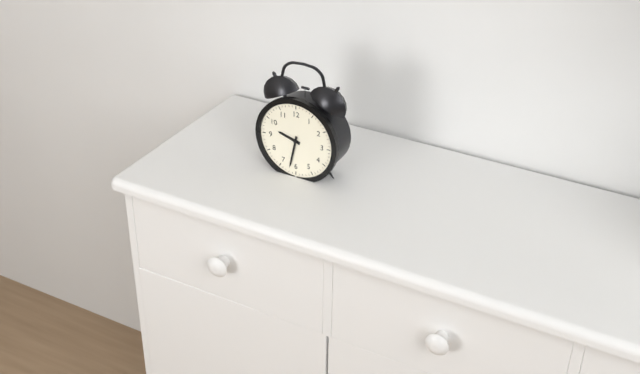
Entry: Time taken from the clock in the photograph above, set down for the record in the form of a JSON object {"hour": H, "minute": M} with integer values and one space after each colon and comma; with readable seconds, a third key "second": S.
{"hour": 9, "minute": 32}
